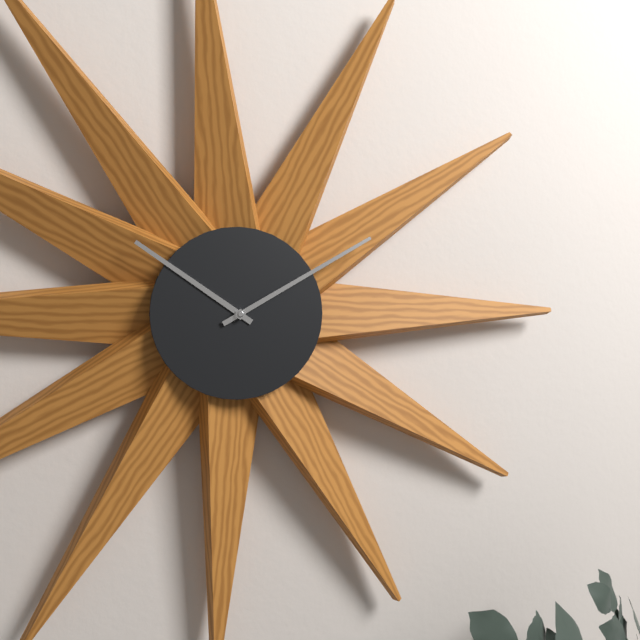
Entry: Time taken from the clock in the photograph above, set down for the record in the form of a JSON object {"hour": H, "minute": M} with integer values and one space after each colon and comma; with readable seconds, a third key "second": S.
{"hour": 10, "minute": 10}
